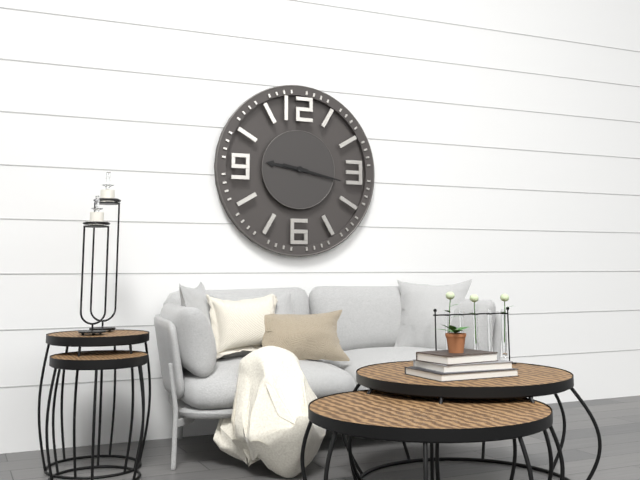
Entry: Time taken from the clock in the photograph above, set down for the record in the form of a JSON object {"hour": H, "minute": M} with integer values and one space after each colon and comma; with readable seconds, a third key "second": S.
{"hour": 9, "minute": 17}
